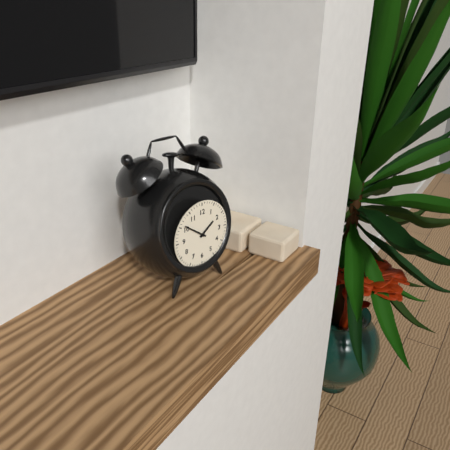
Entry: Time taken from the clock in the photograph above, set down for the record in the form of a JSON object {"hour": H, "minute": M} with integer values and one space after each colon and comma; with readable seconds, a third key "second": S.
{"hour": 1, "minute": 51}
